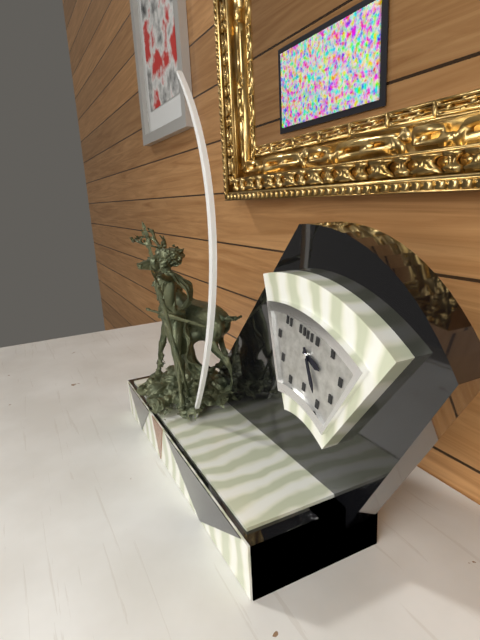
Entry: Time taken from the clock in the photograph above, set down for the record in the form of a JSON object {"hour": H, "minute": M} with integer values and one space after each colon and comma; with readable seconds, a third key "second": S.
{"hour": 3, "minute": 25}
